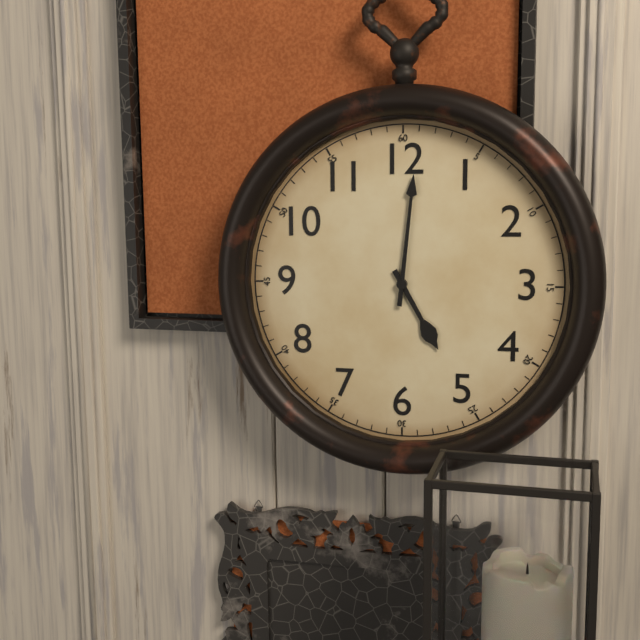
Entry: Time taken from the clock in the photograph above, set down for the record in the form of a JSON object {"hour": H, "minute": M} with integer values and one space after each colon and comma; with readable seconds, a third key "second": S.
{"hour": 5, "minute": 1}
